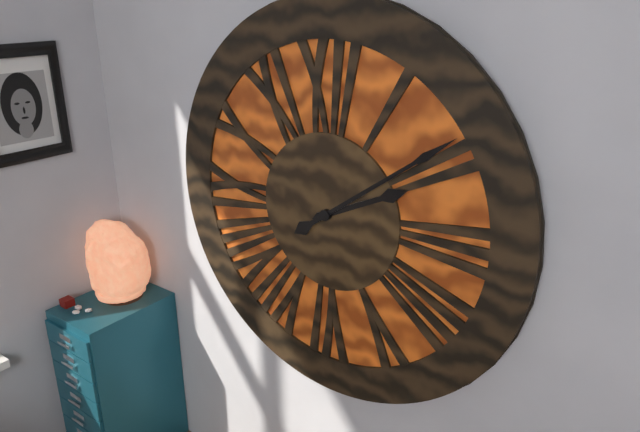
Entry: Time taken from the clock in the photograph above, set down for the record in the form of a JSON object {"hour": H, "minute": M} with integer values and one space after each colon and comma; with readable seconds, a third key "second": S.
{"hour": 2, "minute": 9}
